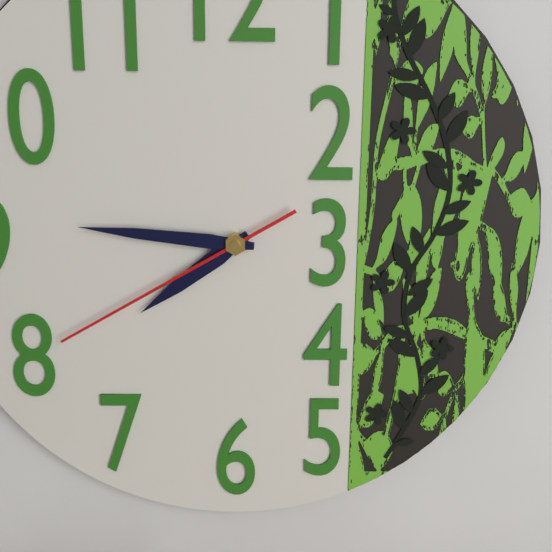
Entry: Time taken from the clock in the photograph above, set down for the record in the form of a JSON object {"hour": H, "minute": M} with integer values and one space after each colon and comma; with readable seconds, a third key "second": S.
{"hour": 7, "minute": 46, "second": 40}
